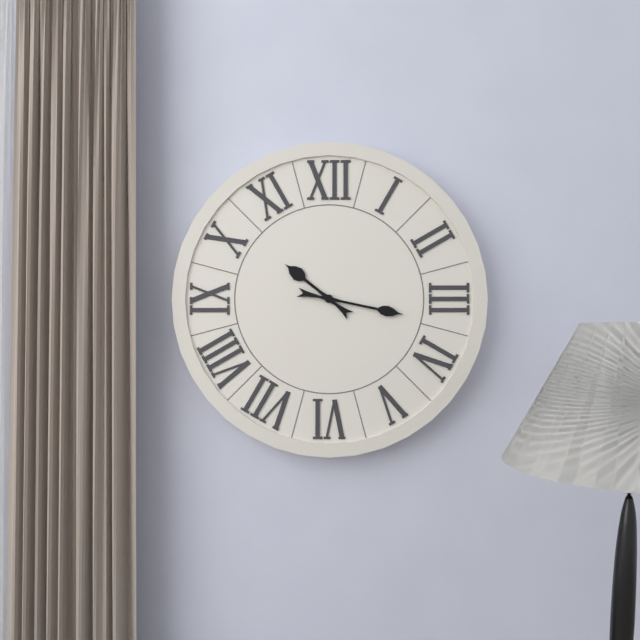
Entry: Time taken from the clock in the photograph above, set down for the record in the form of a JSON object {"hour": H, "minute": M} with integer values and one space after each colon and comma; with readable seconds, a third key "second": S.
{"hour": 10, "minute": 17}
